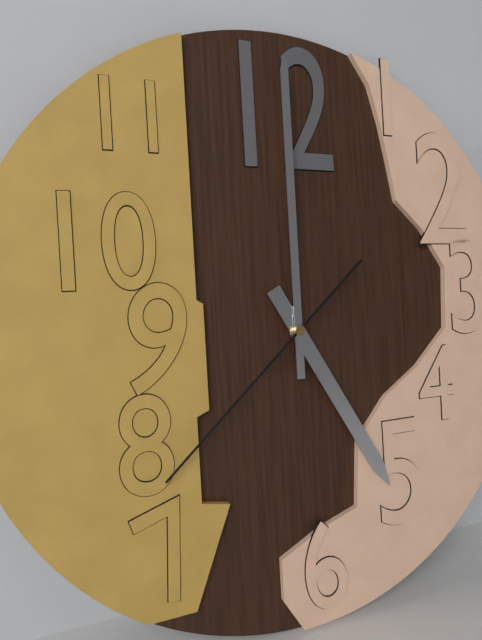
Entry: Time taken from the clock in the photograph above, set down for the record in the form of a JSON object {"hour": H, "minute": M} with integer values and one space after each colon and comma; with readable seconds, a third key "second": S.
{"hour": 5, "minute": 0, "second": 38}
